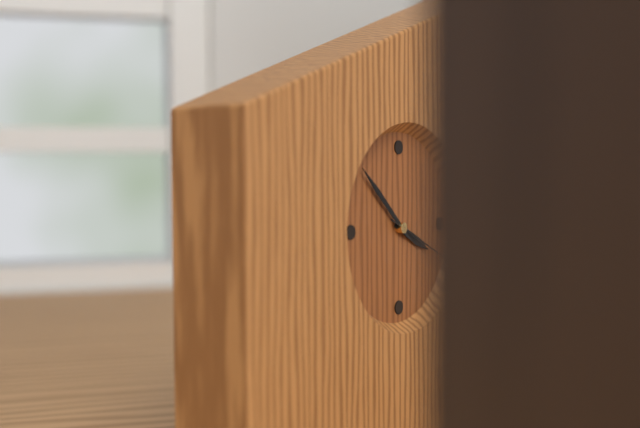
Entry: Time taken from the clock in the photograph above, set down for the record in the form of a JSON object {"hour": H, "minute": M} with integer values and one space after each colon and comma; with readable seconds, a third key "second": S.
{"hour": 3, "minute": 52}
